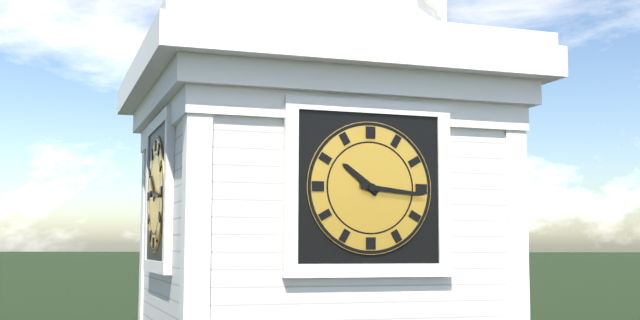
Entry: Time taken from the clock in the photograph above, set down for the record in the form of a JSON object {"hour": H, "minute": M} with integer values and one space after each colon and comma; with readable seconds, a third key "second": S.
{"hour": 10, "minute": 16}
